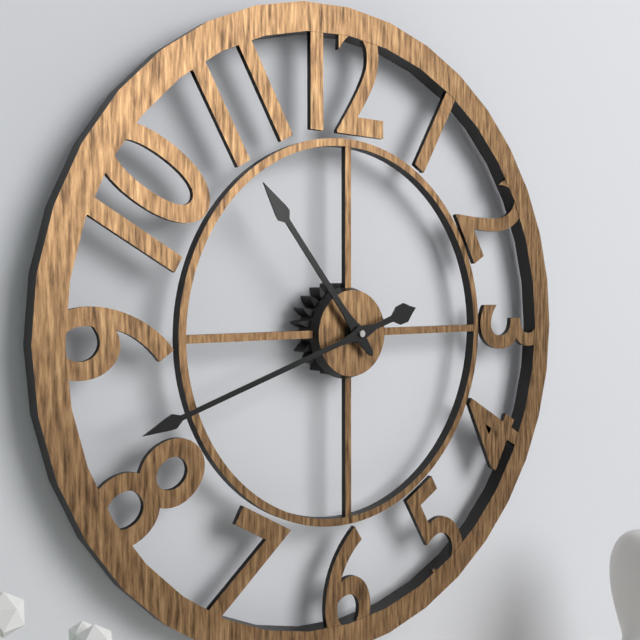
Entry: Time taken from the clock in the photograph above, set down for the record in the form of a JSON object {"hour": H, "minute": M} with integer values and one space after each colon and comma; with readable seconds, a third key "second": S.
{"hour": 10, "minute": 42}
